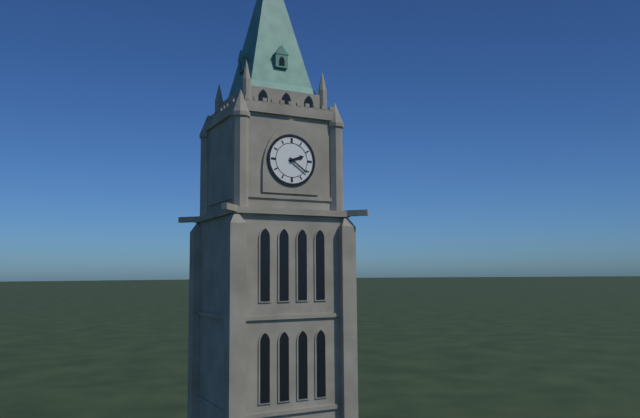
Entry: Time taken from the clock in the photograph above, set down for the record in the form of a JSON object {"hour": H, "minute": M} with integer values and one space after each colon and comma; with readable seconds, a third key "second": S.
{"hour": 2, "minute": 21}
